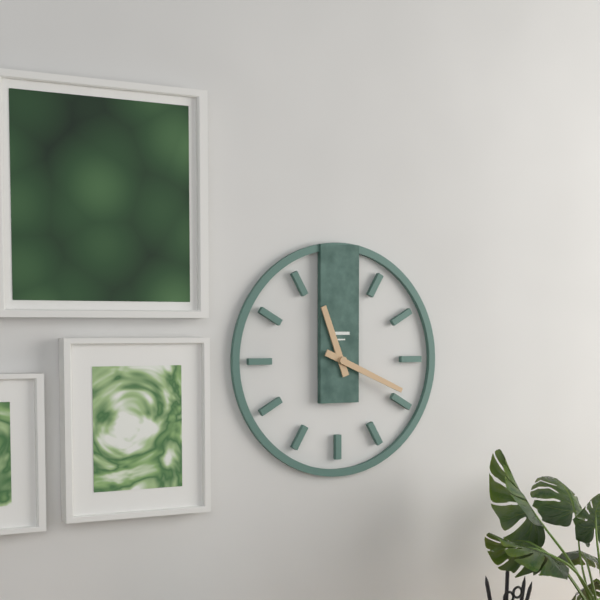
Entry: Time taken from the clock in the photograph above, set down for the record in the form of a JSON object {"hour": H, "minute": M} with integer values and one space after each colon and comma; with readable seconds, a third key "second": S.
{"hour": 11, "minute": 19}
